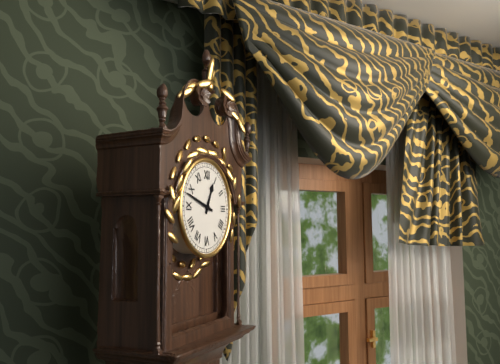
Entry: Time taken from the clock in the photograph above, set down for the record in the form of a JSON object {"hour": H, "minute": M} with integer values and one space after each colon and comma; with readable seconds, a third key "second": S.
{"hour": 12, "minute": 48}
